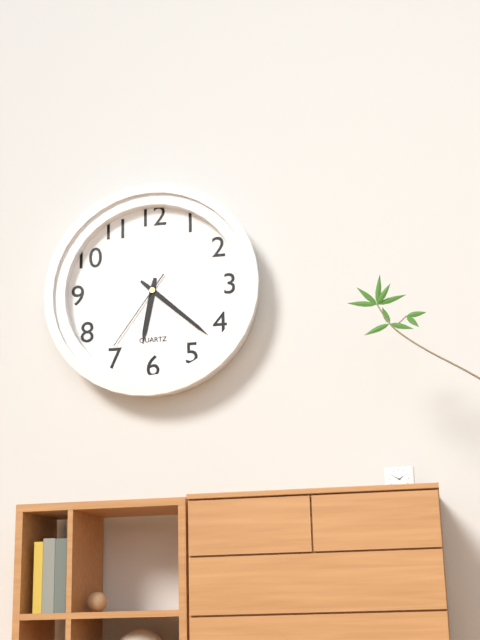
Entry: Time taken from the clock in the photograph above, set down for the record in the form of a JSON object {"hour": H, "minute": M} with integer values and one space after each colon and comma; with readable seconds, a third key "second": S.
{"hour": 6, "minute": 22, "second": 36}
